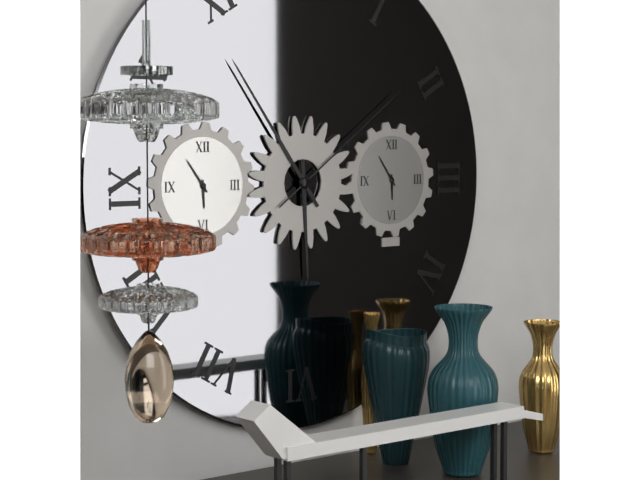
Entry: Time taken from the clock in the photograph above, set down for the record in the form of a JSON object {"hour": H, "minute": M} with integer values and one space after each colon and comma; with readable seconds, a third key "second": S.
{"hour": 5, "minute": 54, "second": 9}
